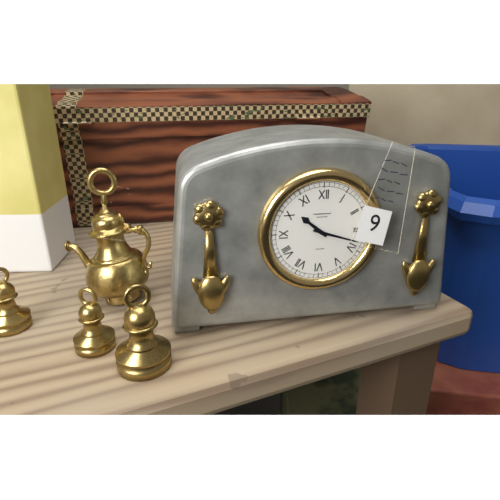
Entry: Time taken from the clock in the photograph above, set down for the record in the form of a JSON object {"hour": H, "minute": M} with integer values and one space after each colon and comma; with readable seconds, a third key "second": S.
{"hour": 10, "minute": 18}
